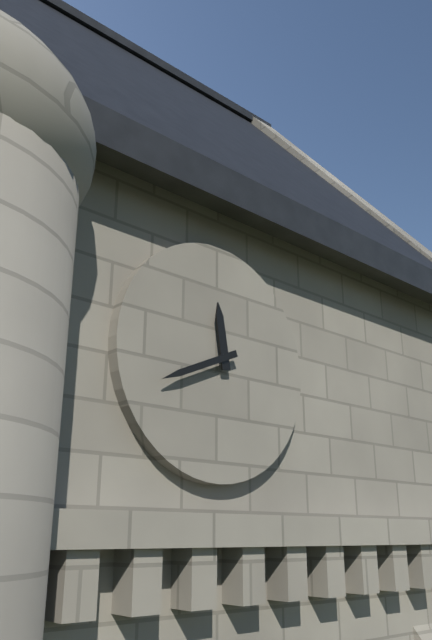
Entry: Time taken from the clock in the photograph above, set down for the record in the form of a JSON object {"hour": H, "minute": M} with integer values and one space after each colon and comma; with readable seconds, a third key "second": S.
{"hour": 11, "minute": 41}
